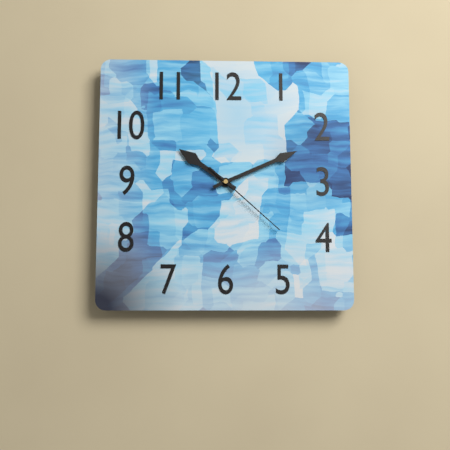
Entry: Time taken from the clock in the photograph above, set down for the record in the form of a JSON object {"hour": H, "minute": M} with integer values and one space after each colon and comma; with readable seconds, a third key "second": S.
{"hour": 10, "minute": 11, "second": 22}
